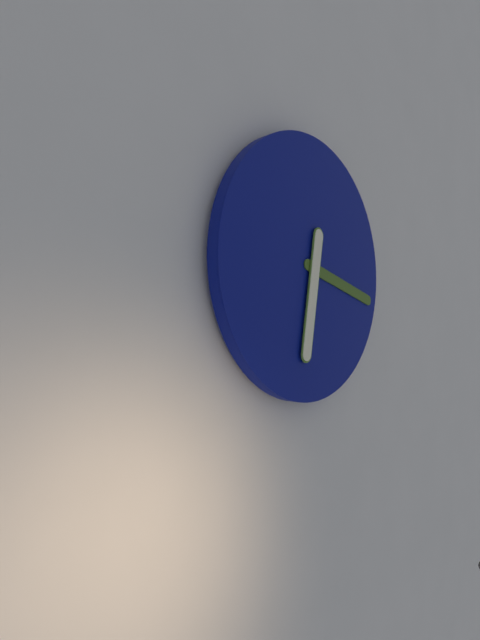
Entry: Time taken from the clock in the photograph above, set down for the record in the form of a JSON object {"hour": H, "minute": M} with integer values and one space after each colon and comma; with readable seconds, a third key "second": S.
{"hour": 6, "minute": 17}
